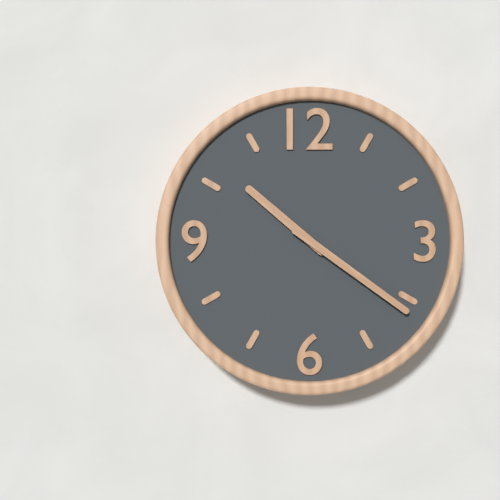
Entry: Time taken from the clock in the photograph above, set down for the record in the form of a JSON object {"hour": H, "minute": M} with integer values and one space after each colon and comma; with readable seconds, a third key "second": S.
{"hour": 10, "minute": 21}
